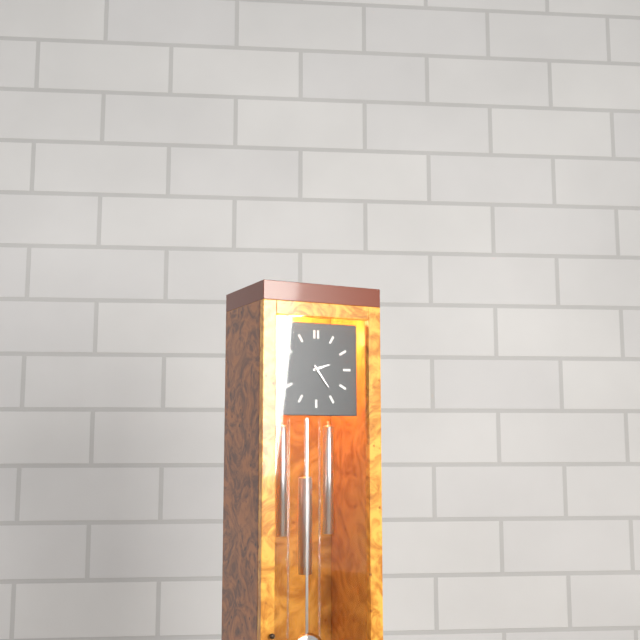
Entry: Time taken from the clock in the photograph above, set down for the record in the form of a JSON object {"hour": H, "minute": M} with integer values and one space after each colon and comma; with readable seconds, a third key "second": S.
{"hour": 2, "minute": 24}
